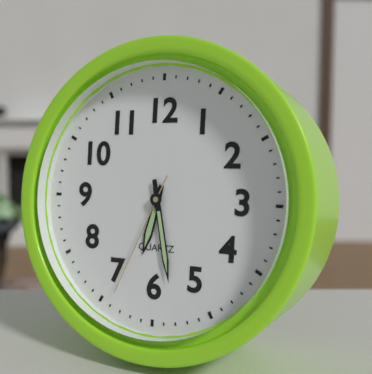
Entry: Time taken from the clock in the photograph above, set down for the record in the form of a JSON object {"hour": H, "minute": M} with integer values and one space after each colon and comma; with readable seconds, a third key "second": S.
{"hour": 6, "minute": 28, "second": 34}
